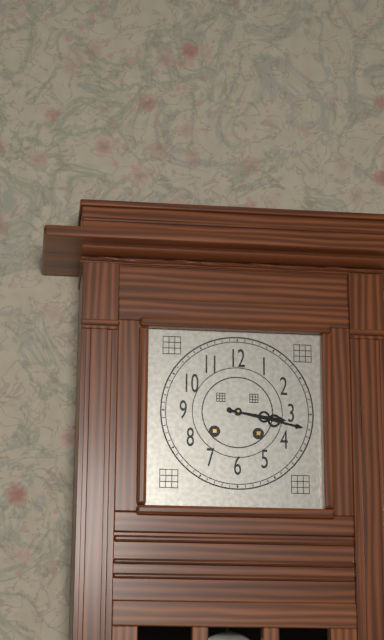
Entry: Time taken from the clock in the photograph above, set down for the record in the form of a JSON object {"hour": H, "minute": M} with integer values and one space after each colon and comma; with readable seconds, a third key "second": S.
{"hour": 3, "minute": 17}
